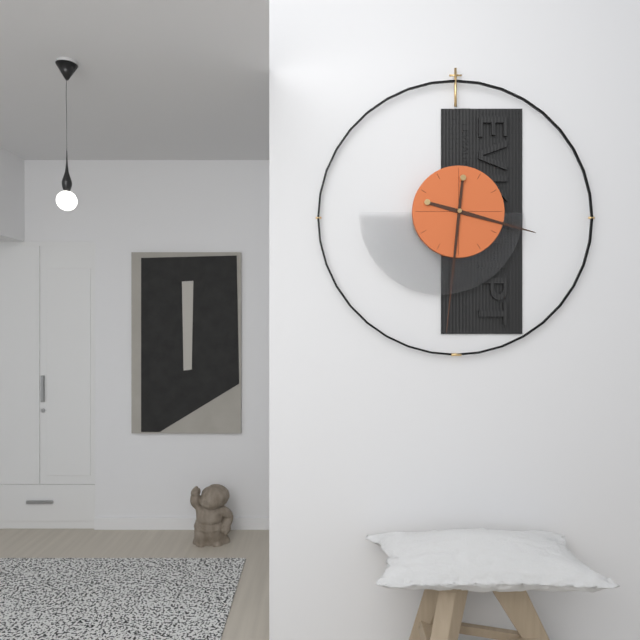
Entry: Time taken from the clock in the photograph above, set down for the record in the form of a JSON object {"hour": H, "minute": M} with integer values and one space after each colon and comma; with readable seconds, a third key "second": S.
{"hour": 3, "minute": 31}
